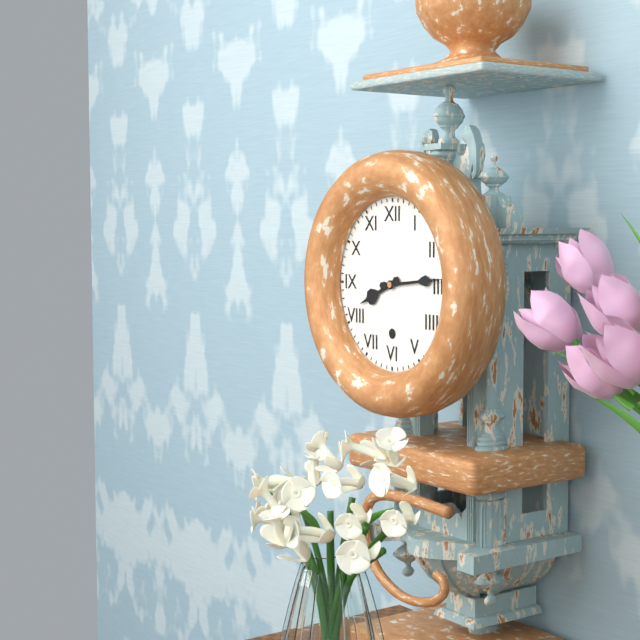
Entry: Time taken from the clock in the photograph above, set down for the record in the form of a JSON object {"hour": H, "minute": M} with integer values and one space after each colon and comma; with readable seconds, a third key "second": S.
{"hour": 8, "minute": 14}
